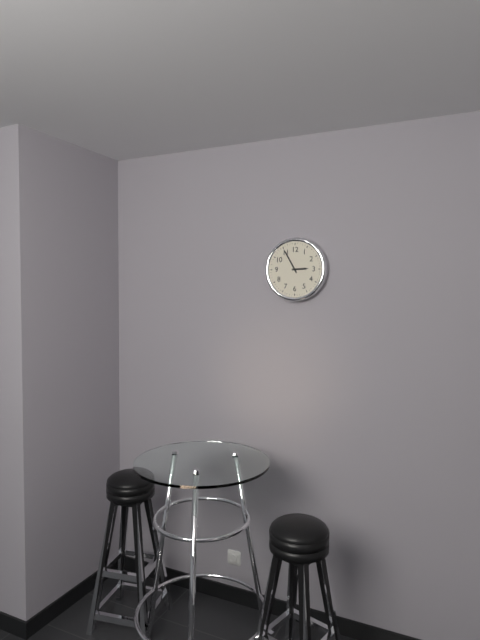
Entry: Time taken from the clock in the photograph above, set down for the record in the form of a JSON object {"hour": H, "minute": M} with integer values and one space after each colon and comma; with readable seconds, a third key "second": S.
{"hour": 2, "minute": 55}
